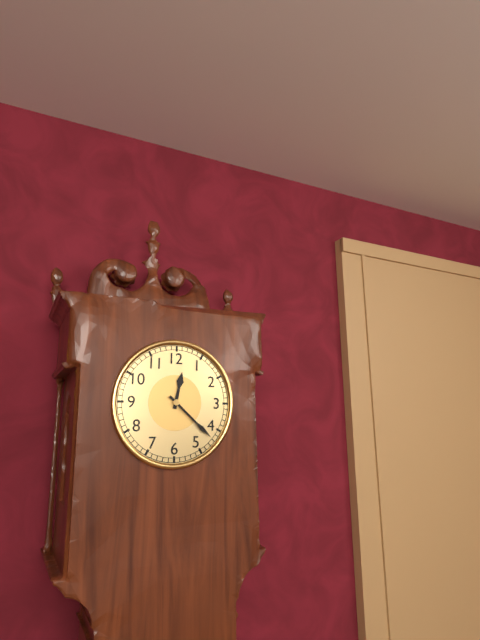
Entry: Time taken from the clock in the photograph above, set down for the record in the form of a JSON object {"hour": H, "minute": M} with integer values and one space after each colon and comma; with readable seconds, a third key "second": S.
{"hour": 12, "minute": 22}
